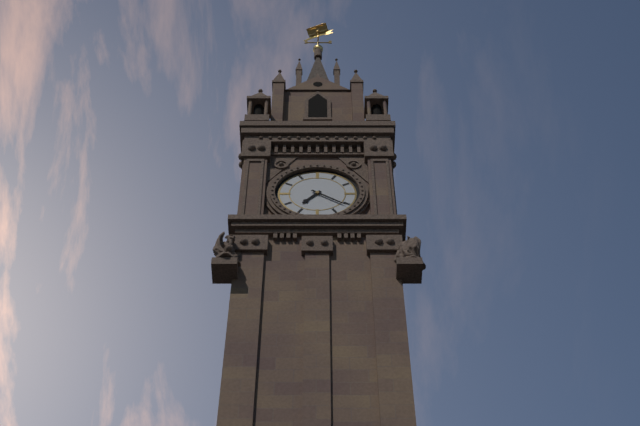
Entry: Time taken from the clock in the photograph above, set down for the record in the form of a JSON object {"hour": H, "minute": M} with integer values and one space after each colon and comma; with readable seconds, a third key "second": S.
{"hour": 7, "minute": 21}
